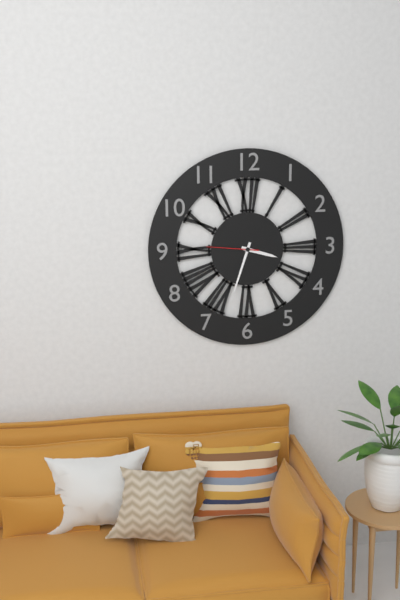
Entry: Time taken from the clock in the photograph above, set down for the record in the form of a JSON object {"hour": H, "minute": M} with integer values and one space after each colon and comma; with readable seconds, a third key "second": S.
{"hour": 3, "minute": 33, "second": 46}
